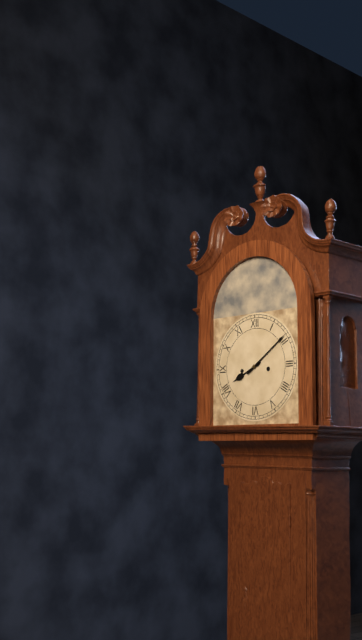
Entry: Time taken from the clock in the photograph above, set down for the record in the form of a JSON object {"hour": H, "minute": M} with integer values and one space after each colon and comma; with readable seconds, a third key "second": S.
{"hour": 8, "minute": 9}
